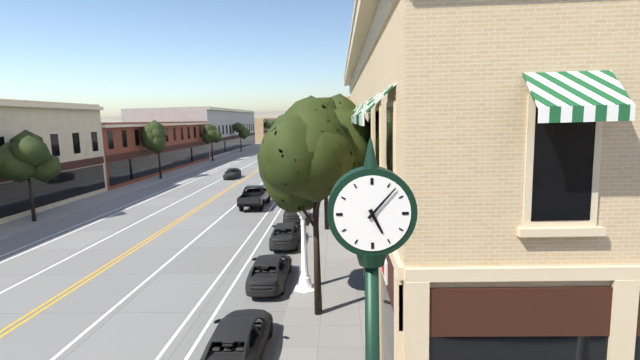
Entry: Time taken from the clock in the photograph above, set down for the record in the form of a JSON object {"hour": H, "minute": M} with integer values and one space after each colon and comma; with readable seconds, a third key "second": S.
{"hour": 5, "minute": 7}
